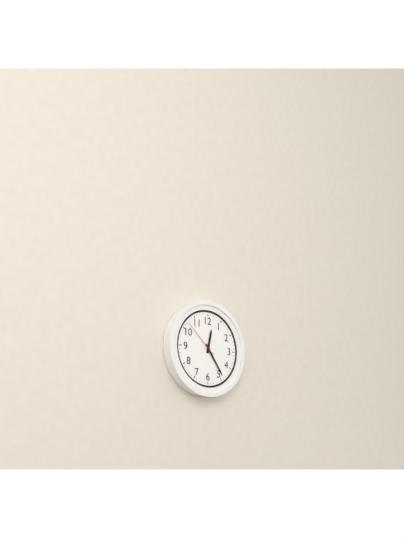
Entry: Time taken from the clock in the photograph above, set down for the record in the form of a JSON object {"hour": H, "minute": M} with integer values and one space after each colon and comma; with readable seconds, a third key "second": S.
{"hour": 12, "minute": 24}
